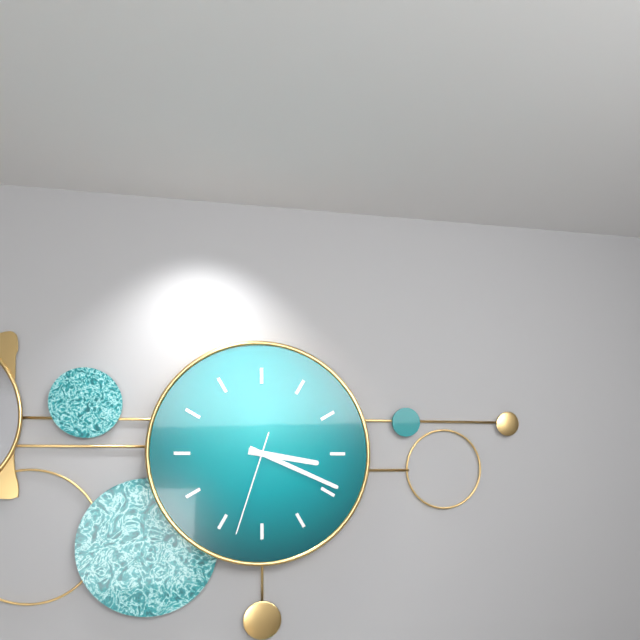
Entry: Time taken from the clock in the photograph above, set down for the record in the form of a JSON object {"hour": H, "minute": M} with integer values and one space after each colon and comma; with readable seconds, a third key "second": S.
{"hour": 3, "minute": 19, "second": 33}
